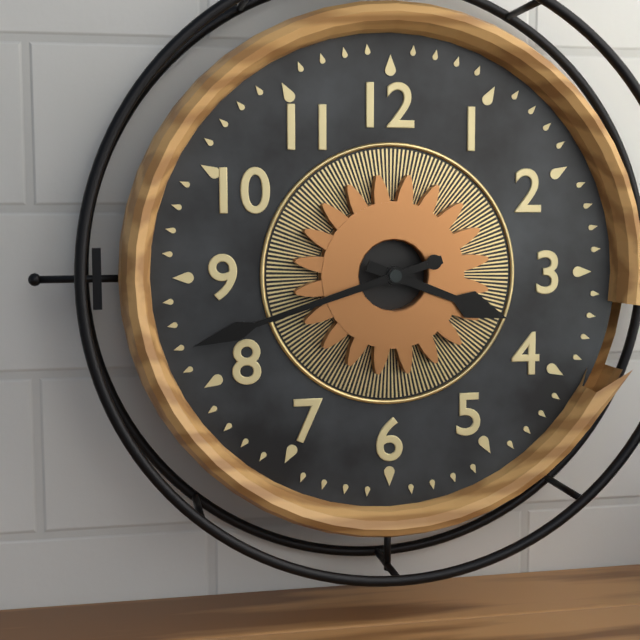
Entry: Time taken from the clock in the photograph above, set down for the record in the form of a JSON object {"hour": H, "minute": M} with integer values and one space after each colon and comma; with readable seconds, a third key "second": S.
{"hour": 3, "minute": 42}
